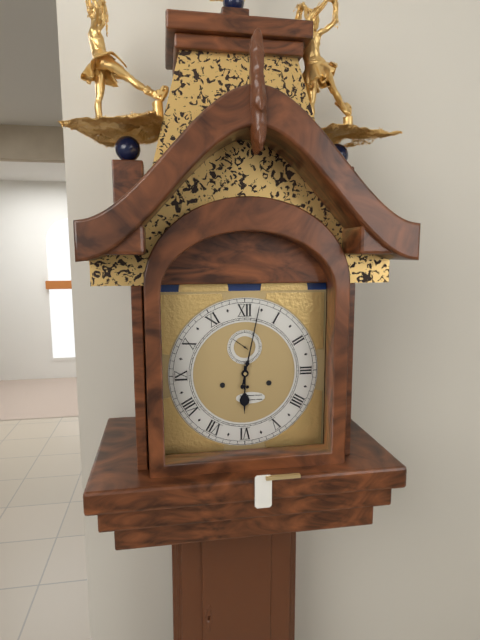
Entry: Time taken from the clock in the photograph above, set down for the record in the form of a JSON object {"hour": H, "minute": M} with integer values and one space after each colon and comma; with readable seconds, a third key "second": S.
{"hour": 6, "minute": 2}
